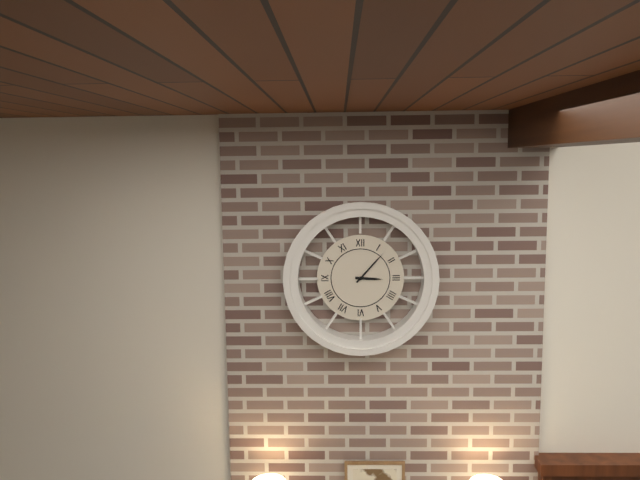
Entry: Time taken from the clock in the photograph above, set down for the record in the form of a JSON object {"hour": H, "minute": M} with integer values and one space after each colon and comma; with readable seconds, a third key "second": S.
{"hour": 3, "minute": 7}
